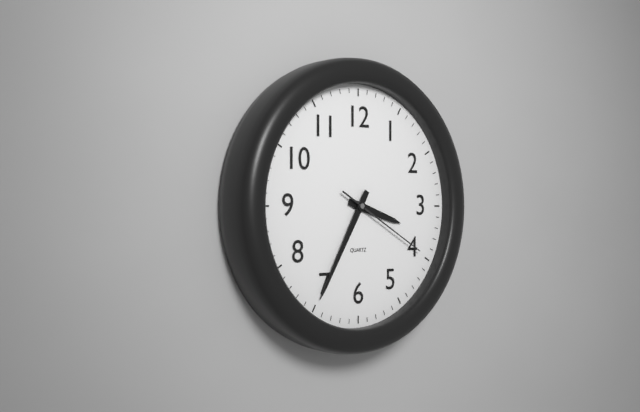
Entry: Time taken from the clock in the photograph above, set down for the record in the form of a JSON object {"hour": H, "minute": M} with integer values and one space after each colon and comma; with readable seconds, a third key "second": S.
{"hour": 3, "minute": 35, "second": 20}
